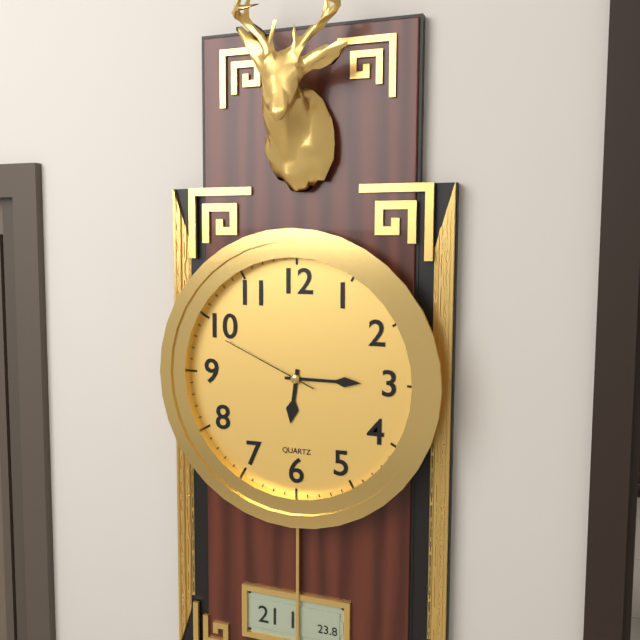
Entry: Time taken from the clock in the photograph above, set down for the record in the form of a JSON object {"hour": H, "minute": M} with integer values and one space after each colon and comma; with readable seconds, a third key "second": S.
{"hour": 6, "minute": 15, "second": 49}
